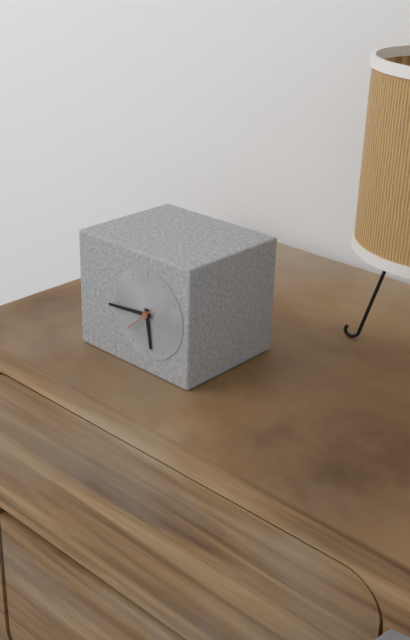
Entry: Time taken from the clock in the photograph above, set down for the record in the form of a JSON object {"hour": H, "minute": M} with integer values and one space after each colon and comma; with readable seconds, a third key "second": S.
{"hour": 5, "minute": 44}
